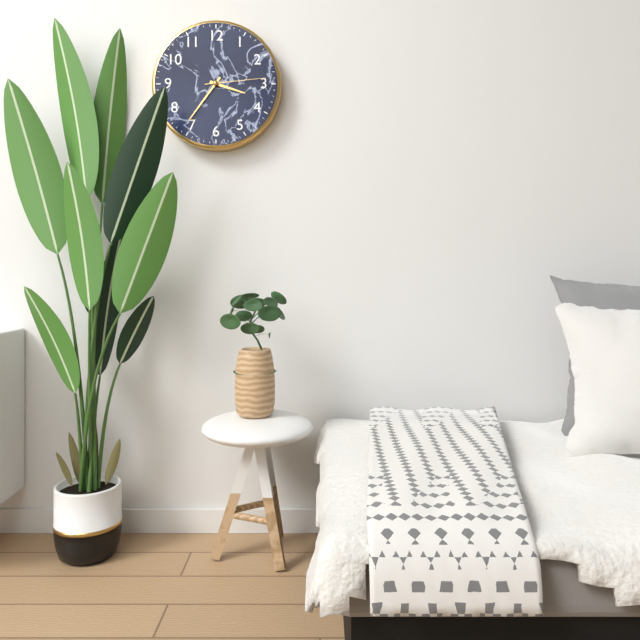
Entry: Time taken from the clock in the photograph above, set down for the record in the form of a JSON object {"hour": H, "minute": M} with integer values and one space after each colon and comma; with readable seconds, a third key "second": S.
{"hour": 3, "minute": 36, "second": 14}
